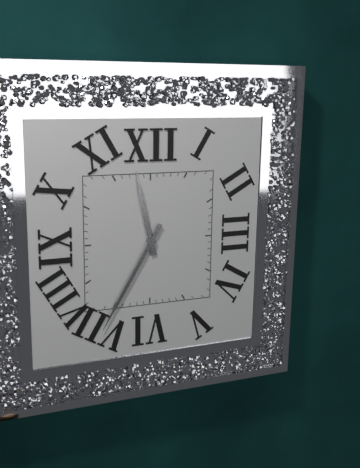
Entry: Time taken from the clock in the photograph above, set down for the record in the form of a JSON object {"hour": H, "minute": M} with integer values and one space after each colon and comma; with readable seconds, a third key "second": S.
{"hour": 11, "minute": 35}
